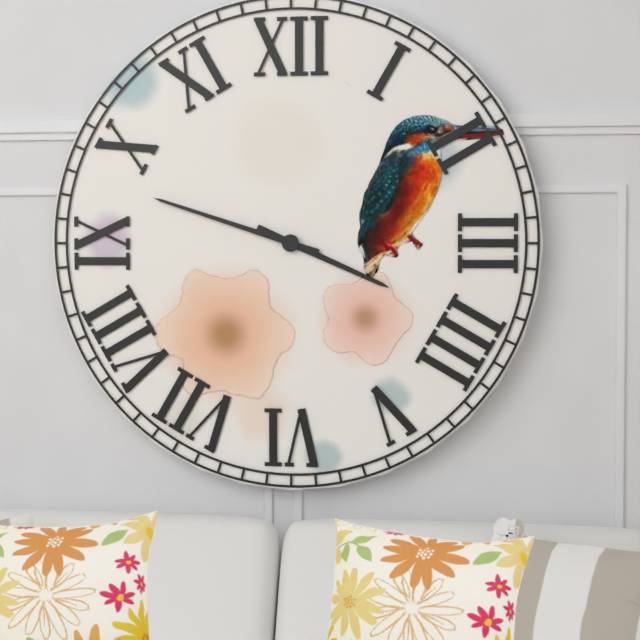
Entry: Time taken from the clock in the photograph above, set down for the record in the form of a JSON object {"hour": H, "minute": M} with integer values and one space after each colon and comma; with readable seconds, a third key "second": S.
{"hour": 3, "minute": 48}
